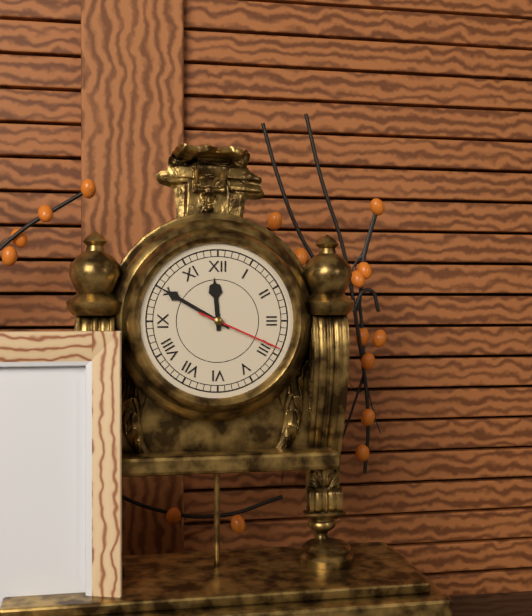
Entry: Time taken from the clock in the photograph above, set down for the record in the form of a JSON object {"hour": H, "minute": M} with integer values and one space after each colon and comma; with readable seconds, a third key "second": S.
{"hour": 11, "minute": 50, "second": 19}
